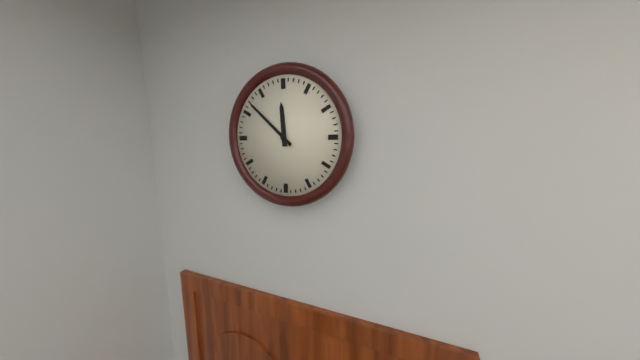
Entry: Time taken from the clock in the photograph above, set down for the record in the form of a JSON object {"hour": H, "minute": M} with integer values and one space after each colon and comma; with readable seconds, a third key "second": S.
{"hour": 11, "minute": 52}
